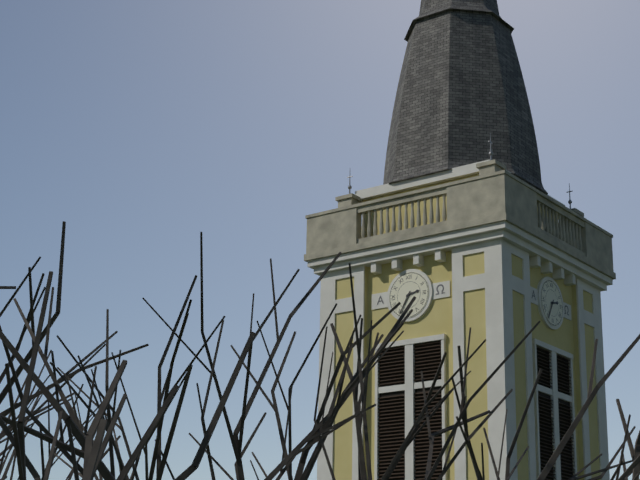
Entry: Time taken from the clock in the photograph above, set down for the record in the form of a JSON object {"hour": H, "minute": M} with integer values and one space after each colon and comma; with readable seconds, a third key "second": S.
{"hour": 2, "minute": 35}
